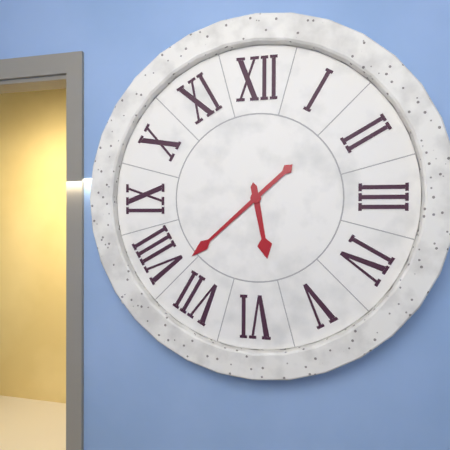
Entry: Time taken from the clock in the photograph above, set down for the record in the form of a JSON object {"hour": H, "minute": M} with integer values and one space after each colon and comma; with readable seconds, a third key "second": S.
{"hour": 5, "minute": 38}
